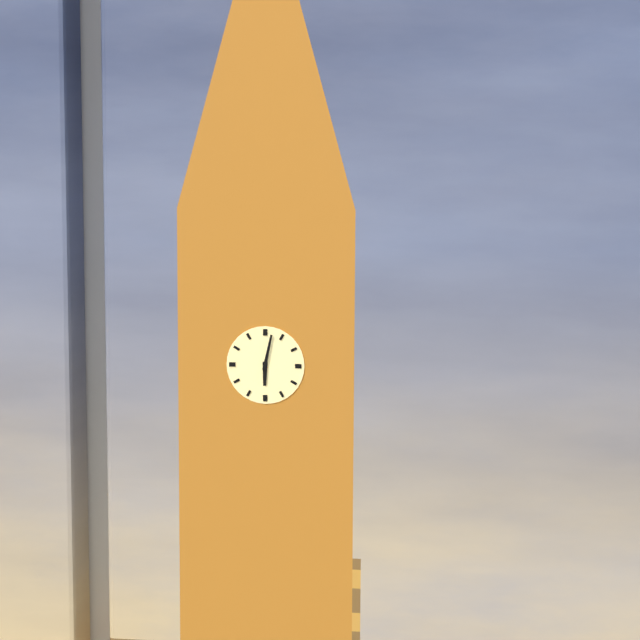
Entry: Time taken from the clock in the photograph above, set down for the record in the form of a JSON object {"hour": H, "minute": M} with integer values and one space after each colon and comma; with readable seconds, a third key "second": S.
{"hour": 6, "minute": 2}
